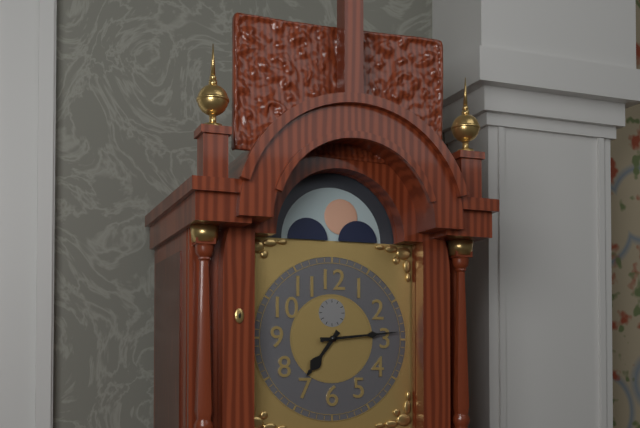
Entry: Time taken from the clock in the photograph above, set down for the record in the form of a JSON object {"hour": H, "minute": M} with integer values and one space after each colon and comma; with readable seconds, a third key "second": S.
{"hour": 7, "minute": 14}
